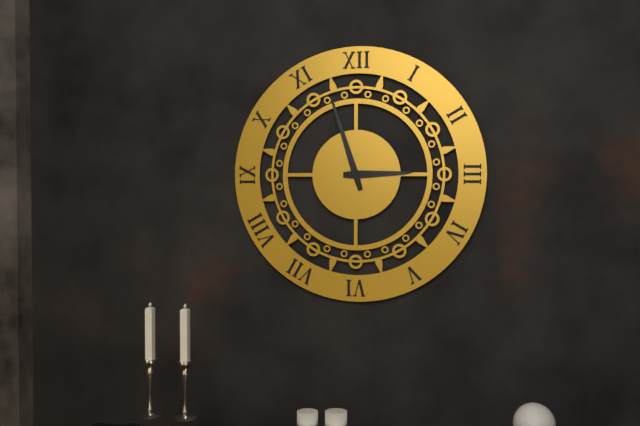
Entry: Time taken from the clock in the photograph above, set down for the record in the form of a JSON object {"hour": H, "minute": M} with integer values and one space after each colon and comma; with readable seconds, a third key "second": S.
{"hour": 2, "minute": 57}
